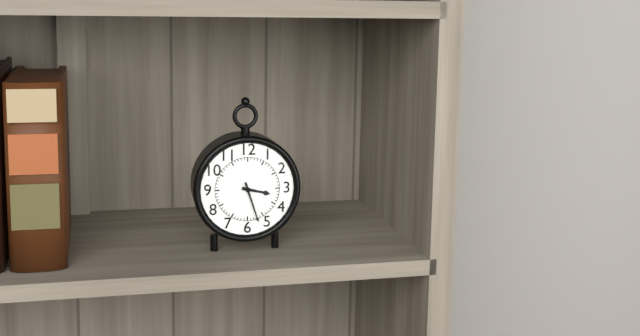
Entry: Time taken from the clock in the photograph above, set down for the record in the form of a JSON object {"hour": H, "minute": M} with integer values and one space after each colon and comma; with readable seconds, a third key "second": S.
{"hour": 3, "minute": 27}
